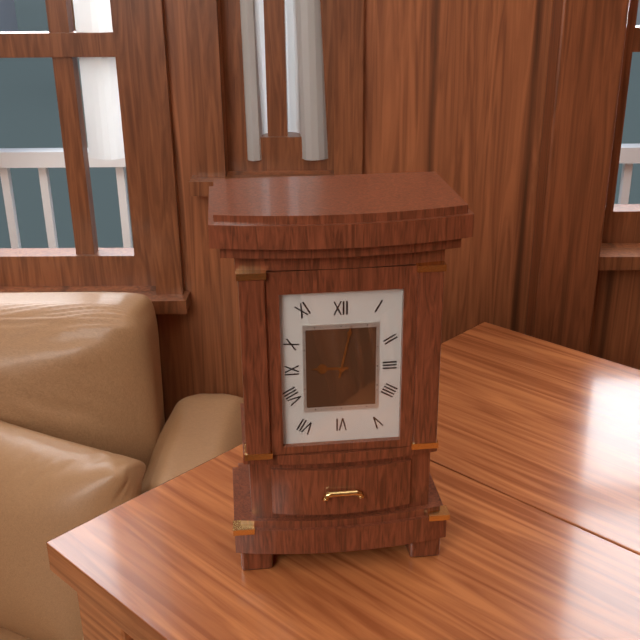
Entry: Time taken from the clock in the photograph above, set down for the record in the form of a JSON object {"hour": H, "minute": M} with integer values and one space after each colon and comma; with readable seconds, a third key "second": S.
{"hour": 9, "minute": 2}
